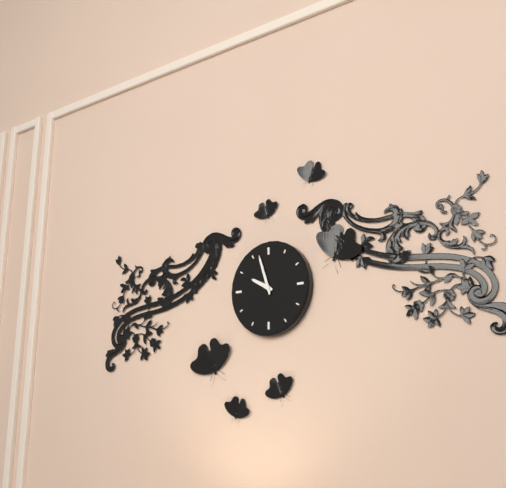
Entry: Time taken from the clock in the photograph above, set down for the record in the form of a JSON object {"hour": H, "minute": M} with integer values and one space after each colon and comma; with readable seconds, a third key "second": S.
{"hour": 9, "minute": 57}
